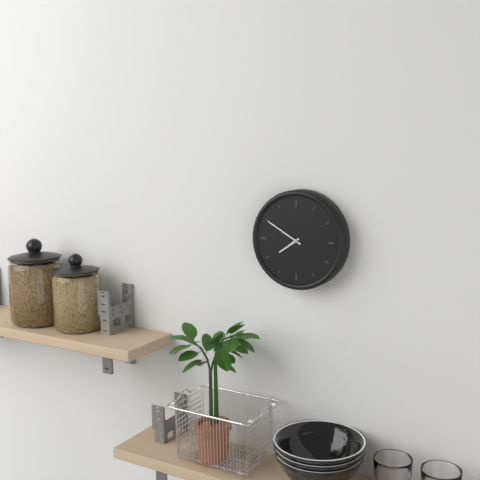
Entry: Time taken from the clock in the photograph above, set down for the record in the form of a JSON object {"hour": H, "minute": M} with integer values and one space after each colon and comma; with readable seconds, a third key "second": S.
{"hour": 7, "minute": 50}
